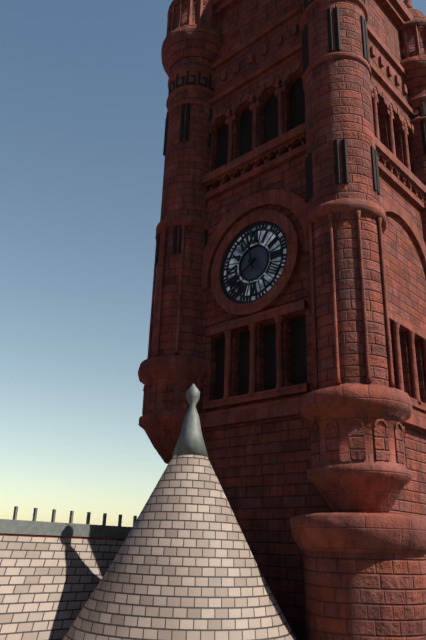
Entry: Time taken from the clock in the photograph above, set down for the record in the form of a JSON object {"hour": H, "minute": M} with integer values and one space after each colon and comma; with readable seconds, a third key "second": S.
{"hour": 7, "minute": 58}
